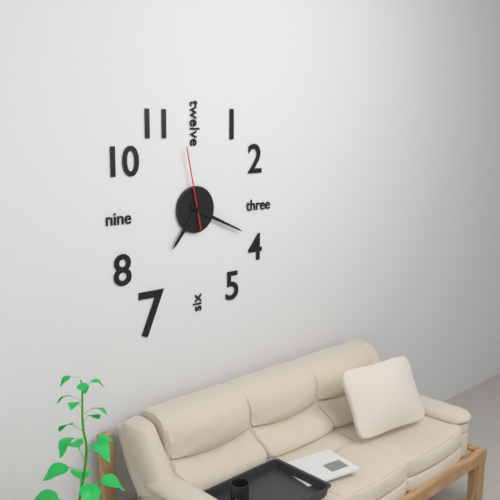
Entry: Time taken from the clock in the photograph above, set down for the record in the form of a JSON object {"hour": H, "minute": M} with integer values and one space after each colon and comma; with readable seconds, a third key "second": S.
{"hour": 7, "minute": 19, "second": 58}
